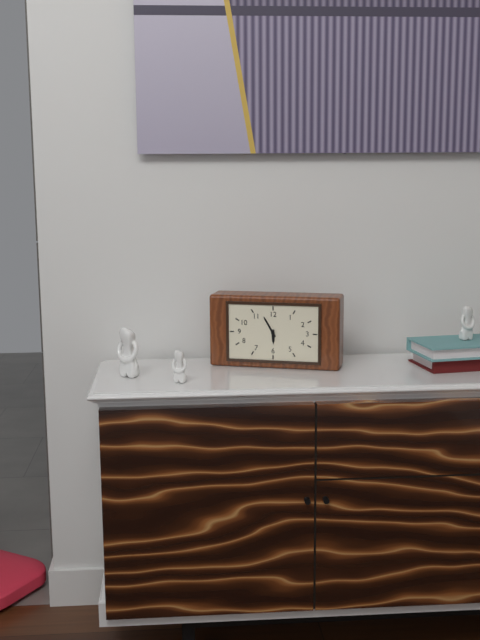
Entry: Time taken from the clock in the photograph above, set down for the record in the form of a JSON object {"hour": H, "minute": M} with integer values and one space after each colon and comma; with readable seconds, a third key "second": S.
{"hour": 5, "minute": 55}
